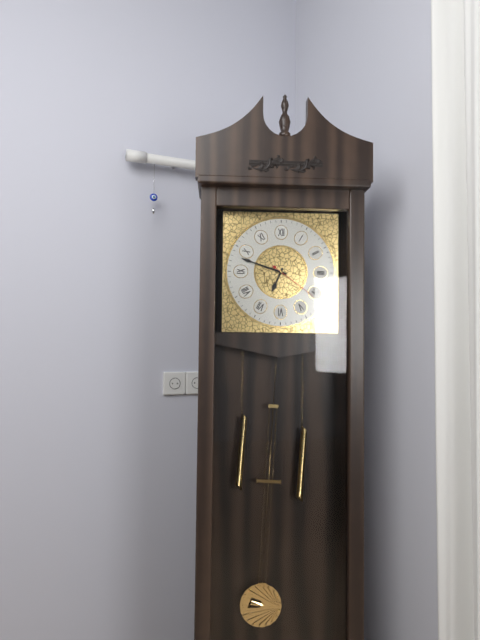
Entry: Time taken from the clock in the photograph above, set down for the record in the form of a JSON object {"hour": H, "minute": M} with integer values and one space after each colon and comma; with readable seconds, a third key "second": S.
{"hour": 6, "minute": 48, "second": 21}
